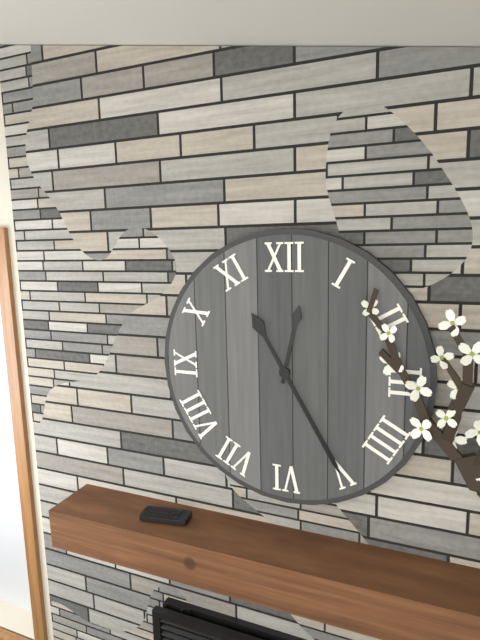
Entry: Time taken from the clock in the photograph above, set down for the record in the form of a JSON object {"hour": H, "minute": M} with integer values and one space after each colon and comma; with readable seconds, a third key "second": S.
{"hour": 12, "minute": 25}
